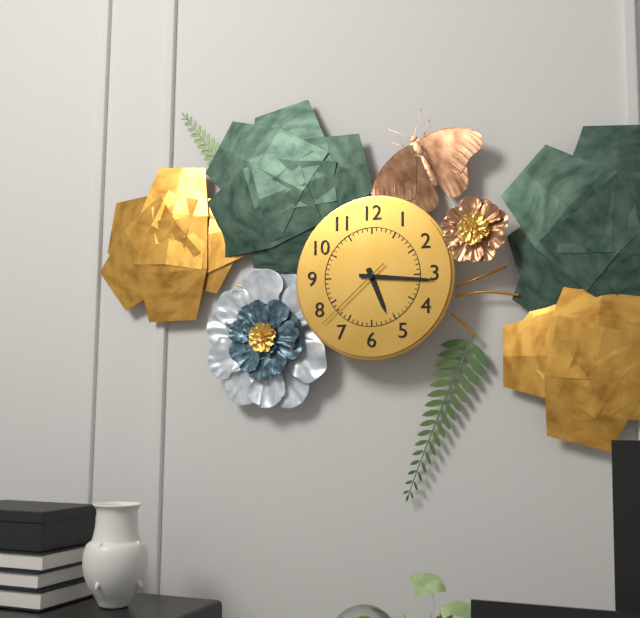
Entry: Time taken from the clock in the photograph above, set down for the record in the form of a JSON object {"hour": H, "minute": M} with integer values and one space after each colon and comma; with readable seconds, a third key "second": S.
{"hour": 5, "minute": 16, "second": 38}
